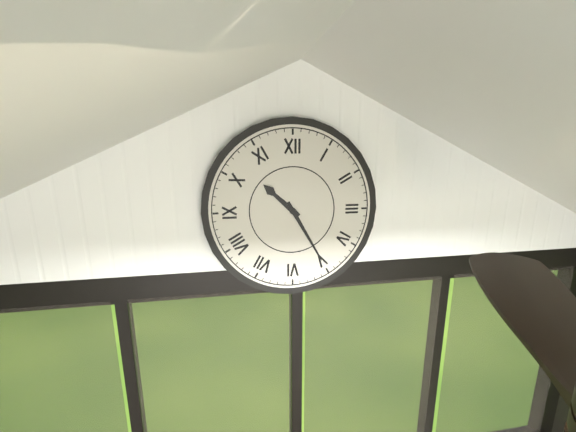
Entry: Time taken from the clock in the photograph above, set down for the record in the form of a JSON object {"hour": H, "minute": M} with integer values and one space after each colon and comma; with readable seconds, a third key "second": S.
{"hour": 10, "minute": 25}
